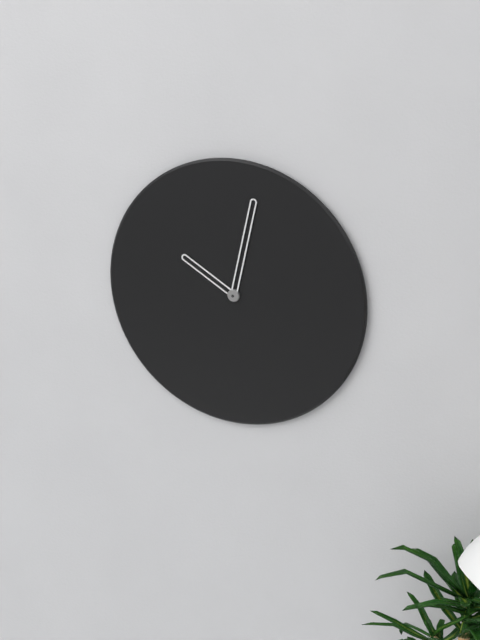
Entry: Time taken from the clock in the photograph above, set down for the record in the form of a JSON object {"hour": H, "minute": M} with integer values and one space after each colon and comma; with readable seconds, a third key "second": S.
{"hour": 10, "minute": 2}
